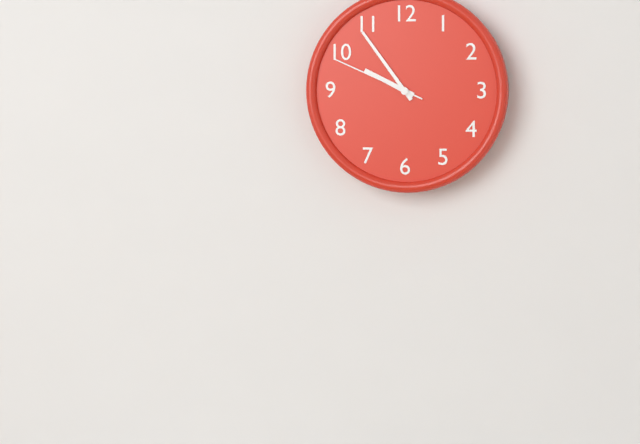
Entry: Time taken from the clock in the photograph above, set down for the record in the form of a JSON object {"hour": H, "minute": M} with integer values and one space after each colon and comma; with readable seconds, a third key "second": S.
{"hour": 9, "minute": 54, "second": 49}
